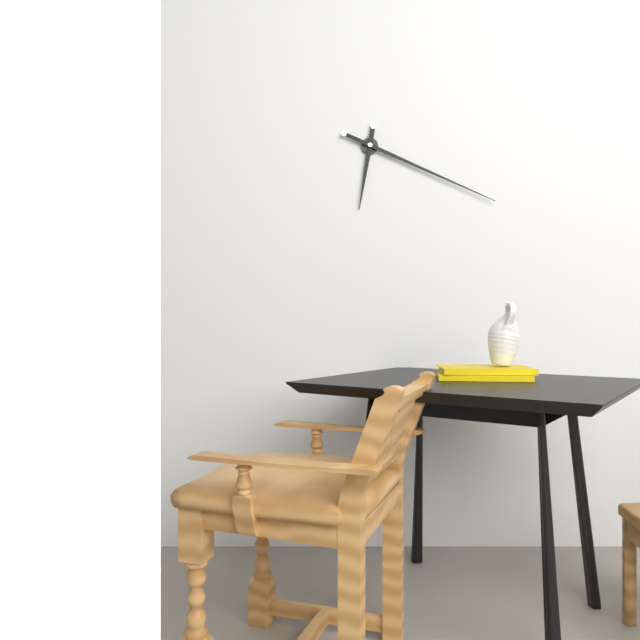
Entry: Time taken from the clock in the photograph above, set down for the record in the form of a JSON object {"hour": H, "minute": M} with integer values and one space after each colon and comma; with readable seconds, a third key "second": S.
{"hour": 6, "minute": 19}
